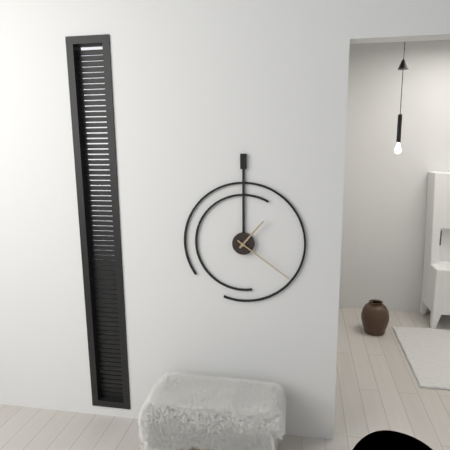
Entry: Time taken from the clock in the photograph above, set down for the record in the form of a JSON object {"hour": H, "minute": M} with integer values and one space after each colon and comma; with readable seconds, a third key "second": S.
{"hour": 1, "minute": 21}
